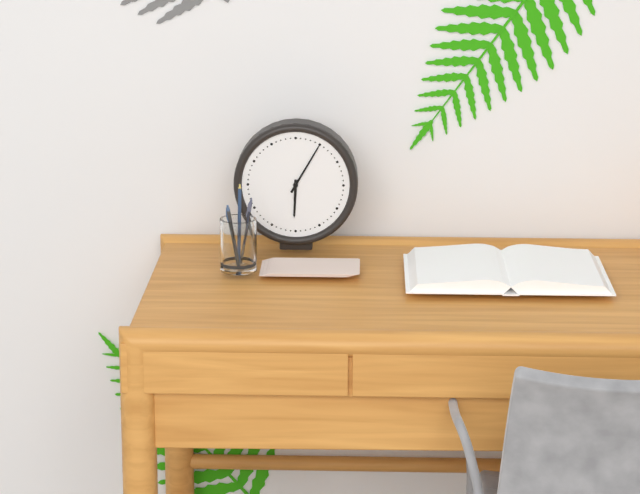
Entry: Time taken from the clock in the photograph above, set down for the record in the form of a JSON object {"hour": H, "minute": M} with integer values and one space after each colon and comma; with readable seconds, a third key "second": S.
{"hour": 6, "minute": 5}
